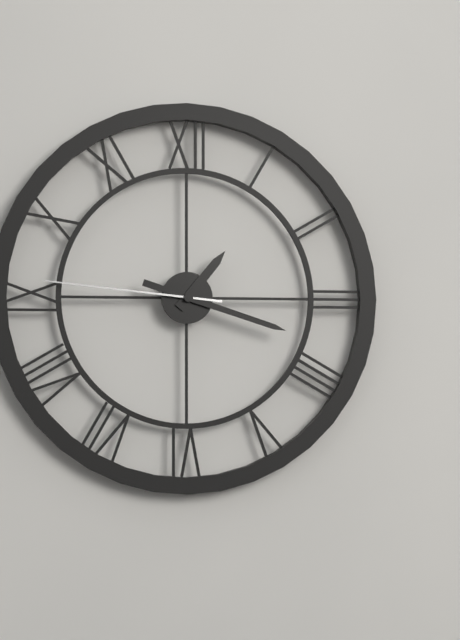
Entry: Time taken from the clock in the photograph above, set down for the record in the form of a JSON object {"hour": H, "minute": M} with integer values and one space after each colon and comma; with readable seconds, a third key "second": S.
{"hour": 1, "minute": 18, "second": 46}
